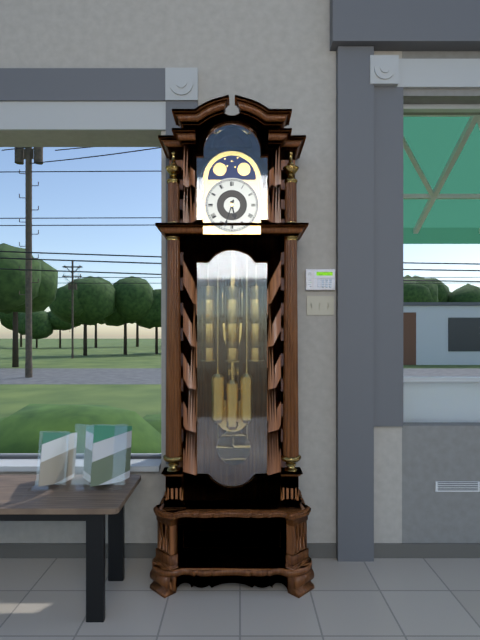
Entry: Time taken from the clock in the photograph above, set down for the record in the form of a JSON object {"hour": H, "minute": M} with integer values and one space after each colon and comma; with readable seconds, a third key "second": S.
{"hour": 5, "minute": 33}
